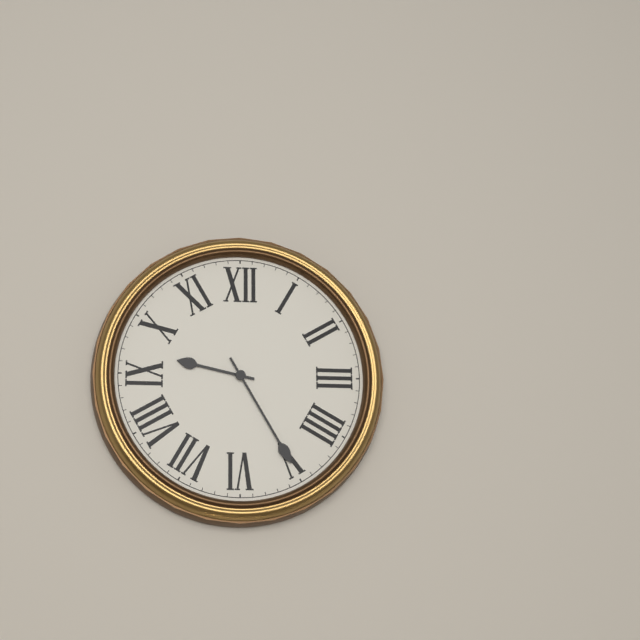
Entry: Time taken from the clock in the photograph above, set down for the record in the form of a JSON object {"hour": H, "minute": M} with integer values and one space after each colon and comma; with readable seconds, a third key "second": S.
{"hour": 9, "minute": 25}
